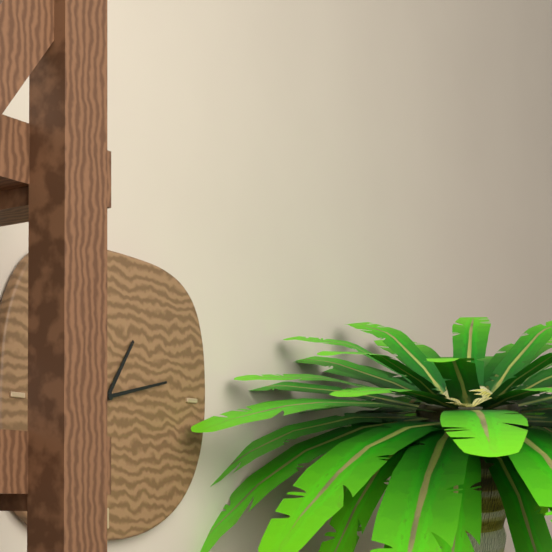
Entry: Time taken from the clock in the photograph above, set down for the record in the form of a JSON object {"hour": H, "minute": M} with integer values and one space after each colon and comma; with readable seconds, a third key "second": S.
{"hour": 1, "minute": 13}
